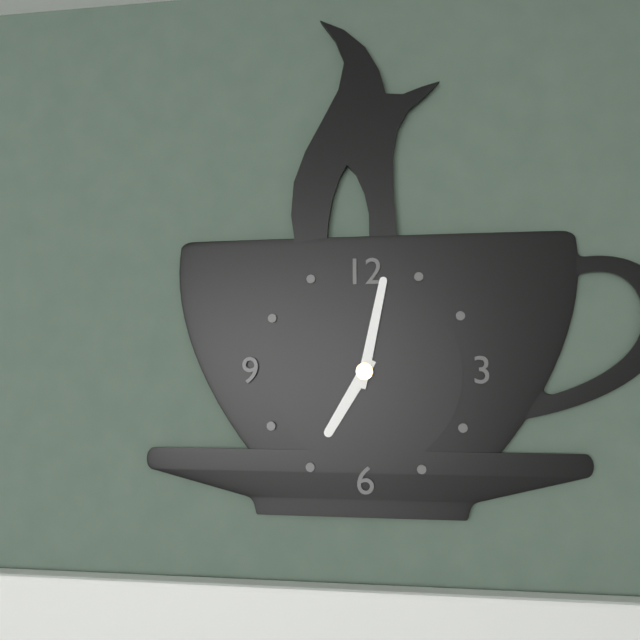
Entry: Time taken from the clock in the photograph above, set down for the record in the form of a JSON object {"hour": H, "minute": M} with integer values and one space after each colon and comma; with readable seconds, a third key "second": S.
{"hour": 7, "minute": 2}
